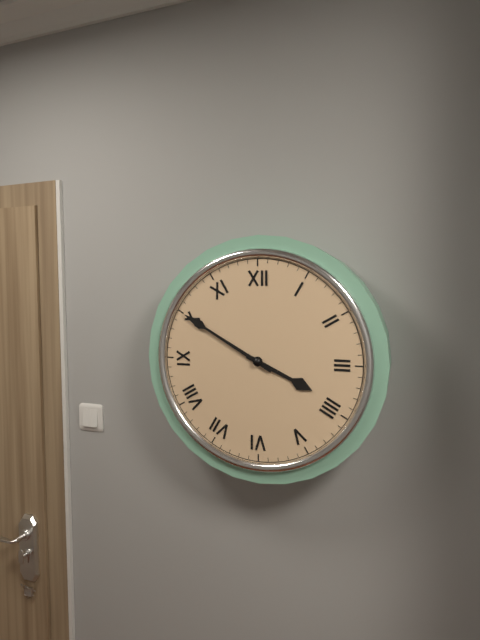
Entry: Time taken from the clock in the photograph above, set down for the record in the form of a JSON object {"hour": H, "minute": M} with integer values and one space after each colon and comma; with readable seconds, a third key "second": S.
{"hour": 3, "minute": 50}
